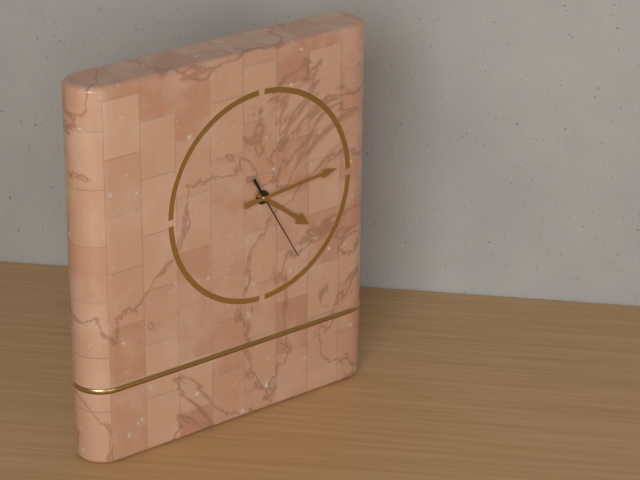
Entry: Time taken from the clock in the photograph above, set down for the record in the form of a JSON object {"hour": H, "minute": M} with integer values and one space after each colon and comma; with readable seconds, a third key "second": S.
{"hour": 4, "minute": 14, "second": 25}
